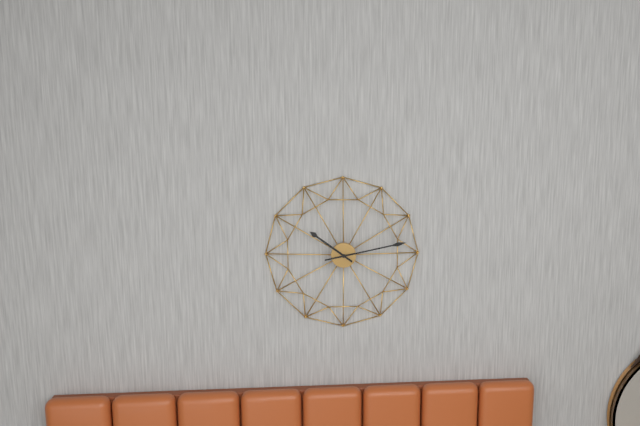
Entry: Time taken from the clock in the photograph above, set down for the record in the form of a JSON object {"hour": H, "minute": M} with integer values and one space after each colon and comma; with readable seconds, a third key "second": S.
{"hour": 10, "minute": 13}
